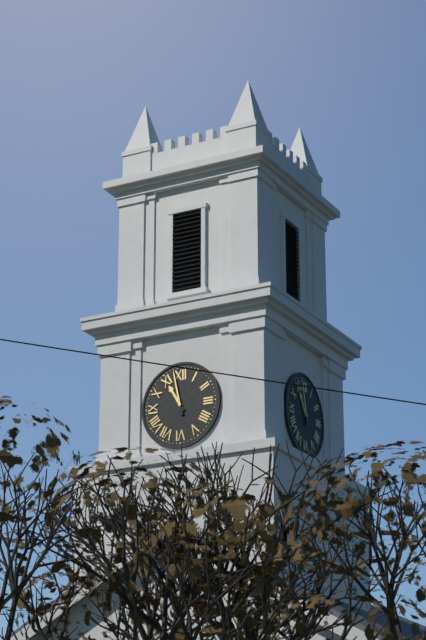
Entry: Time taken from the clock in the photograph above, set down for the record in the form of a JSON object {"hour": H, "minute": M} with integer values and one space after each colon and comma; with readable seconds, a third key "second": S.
{"hour": 10, "minute": 58}
